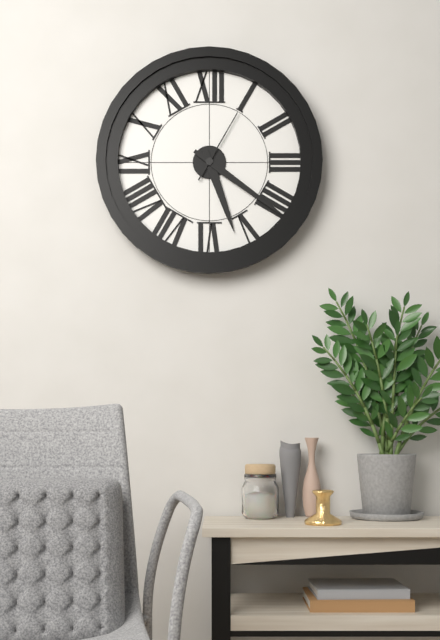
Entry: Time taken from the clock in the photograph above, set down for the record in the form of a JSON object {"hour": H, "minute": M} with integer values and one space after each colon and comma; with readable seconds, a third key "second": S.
{"hour": 5, "minute": 21, "second": 5}
